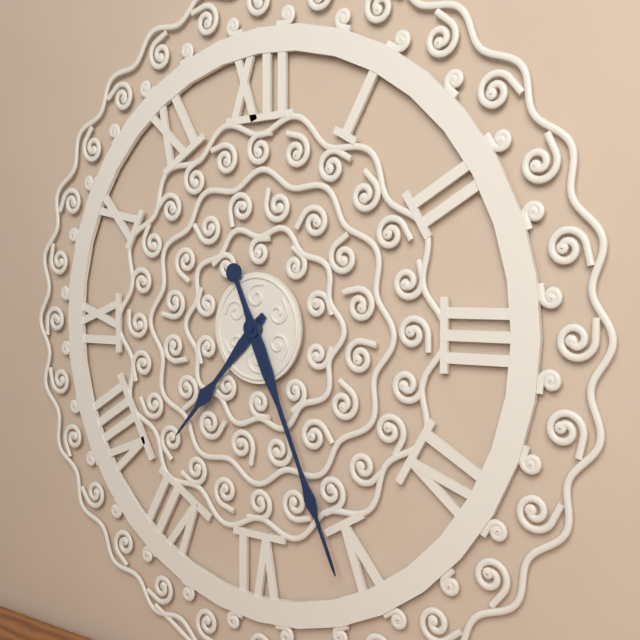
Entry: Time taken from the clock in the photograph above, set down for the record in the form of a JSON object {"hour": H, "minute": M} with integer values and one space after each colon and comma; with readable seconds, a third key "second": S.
{"hour": 7, "minute": 26}
